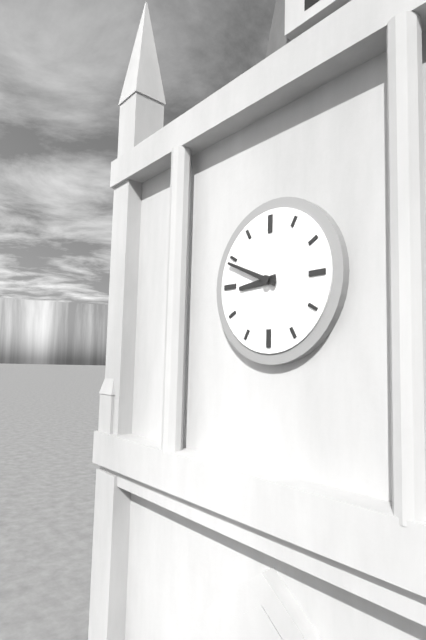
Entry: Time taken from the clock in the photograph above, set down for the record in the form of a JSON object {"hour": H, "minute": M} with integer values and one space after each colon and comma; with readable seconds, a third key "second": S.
{"hour": 8, "minute": 49}
